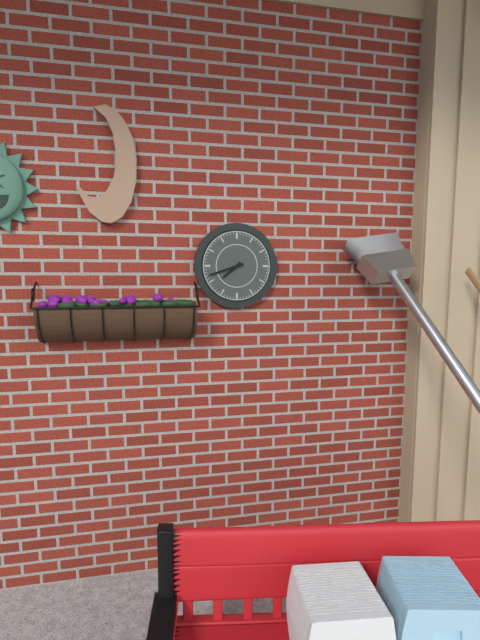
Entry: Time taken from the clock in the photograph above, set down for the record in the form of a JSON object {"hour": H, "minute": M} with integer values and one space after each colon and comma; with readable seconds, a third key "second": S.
{"hour": 7, "minute": 42}
